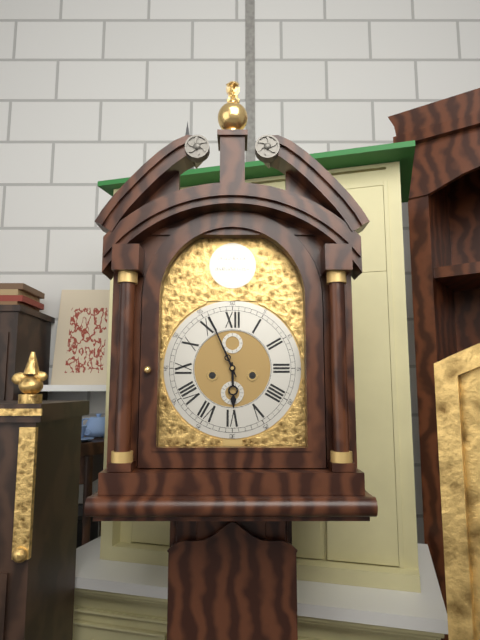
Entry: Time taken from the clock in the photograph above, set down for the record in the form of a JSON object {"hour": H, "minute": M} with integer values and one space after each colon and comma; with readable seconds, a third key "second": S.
{"hour": 5, "minute": 56}
